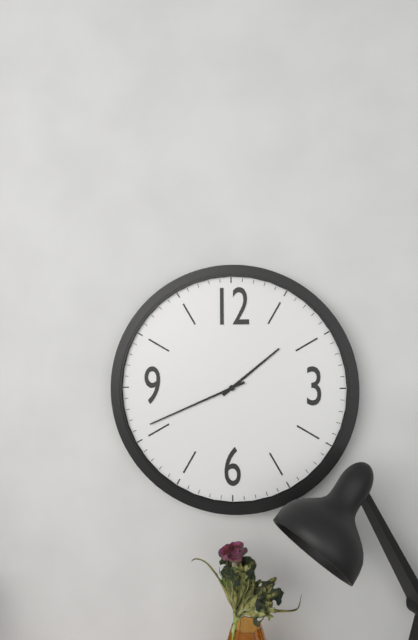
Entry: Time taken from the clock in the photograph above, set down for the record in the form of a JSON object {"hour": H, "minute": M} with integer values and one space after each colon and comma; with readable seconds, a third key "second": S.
{"hour": 1, "minute": 41}
